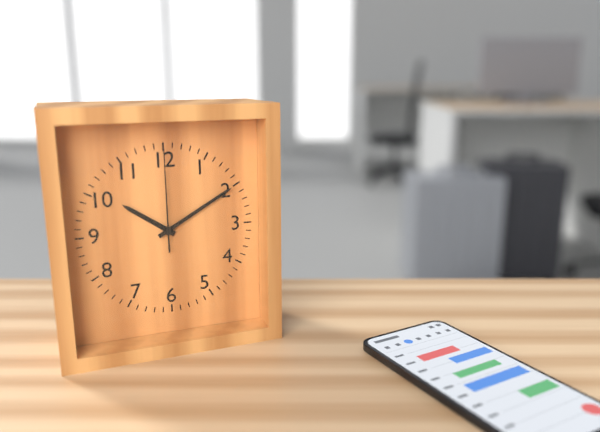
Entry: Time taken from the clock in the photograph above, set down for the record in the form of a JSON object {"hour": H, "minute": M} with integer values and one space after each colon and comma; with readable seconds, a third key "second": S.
{"hour": 10, "minute": 10, "second": 0}
